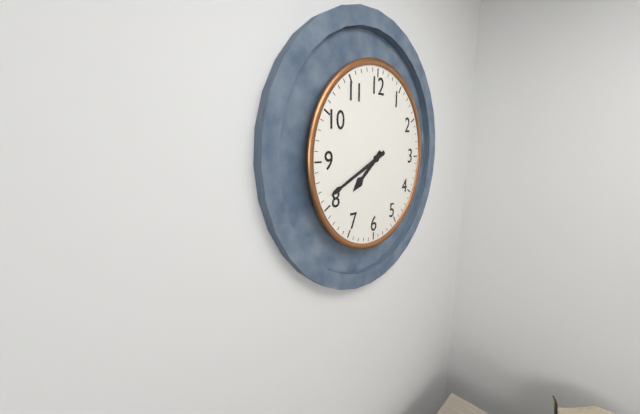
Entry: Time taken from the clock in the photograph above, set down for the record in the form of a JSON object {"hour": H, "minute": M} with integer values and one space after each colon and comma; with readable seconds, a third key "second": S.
{"hour": 7, "minute": 41}
